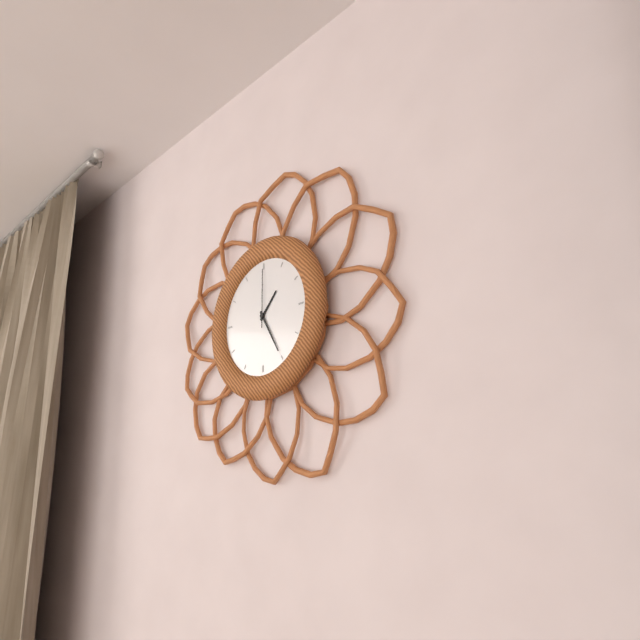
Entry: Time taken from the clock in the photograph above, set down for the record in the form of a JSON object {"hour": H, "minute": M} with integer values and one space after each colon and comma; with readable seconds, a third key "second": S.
{"hour": 1, "minute": 25, "second": 0}
